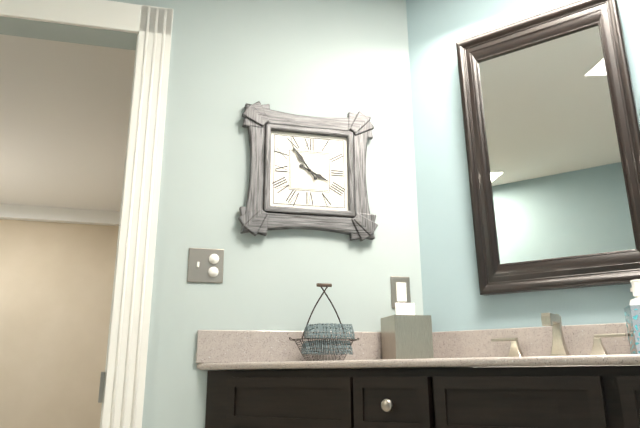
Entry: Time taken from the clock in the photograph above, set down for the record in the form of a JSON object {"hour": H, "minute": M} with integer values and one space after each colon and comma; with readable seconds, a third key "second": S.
{"hour": 3, "minute": 54}
